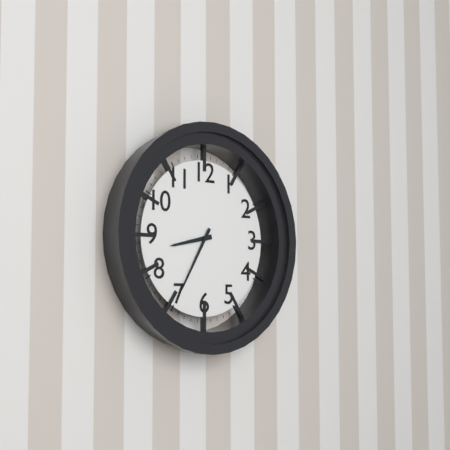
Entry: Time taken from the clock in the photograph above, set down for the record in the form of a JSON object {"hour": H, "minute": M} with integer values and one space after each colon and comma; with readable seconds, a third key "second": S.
{"hour": 8, "minute": 35}
